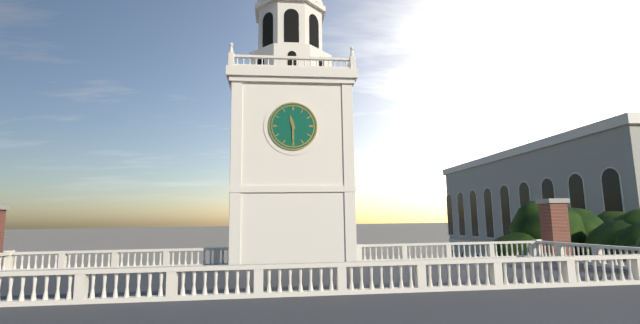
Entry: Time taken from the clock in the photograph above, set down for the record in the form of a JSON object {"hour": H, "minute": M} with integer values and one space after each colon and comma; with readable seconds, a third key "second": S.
{"hour": 11, "minute": 30}
